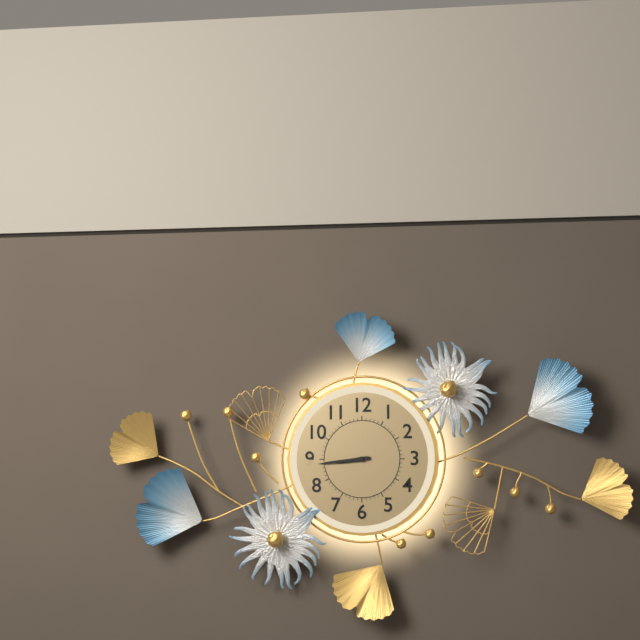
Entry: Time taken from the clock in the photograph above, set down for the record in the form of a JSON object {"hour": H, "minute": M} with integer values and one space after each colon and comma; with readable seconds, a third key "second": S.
{"hour": 8, "minute": 44}
